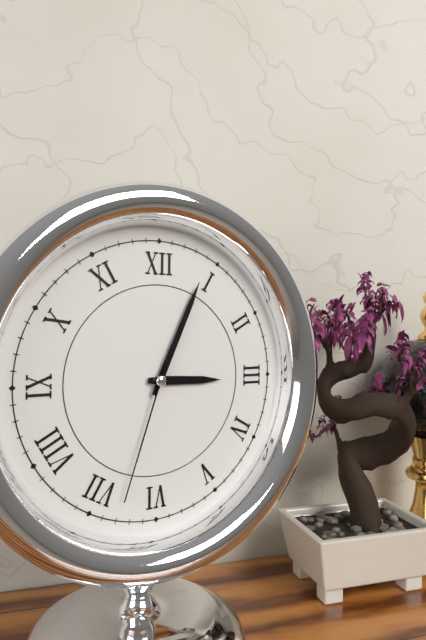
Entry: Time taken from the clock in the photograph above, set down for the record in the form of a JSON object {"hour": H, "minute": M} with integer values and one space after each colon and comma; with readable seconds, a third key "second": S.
{"hour": 3, "minute": 4, "second": 33}
